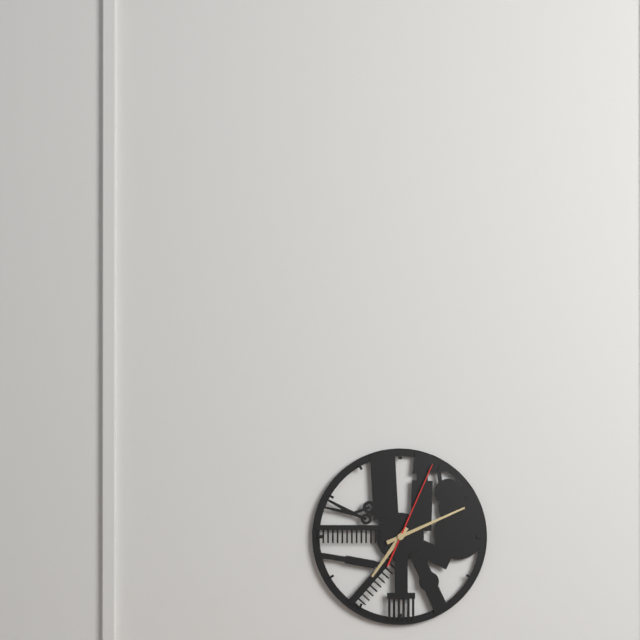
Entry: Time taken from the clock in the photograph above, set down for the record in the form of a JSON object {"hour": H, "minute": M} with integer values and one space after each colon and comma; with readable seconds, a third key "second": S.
{"hour": 7, "minute": 11, "second": 4}
